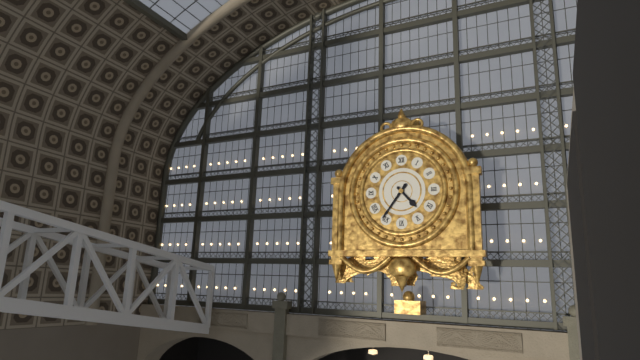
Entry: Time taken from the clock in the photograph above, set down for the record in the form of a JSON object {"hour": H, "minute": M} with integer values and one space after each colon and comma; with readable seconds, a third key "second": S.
{"hour": 4, "minute": 36}
